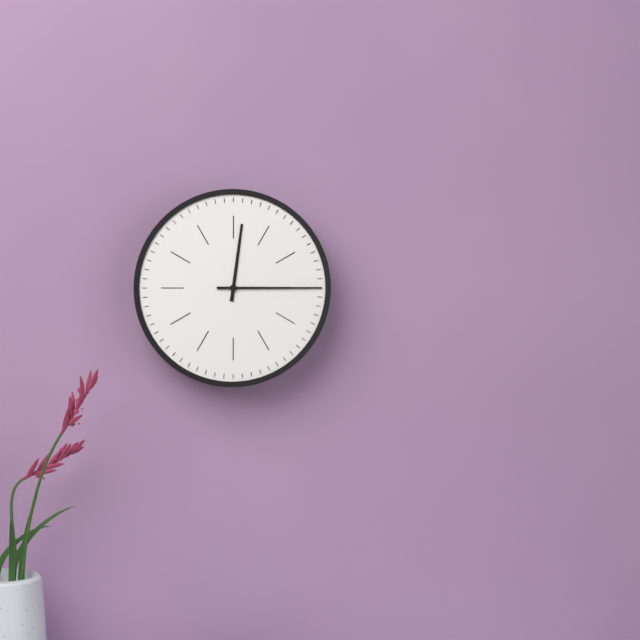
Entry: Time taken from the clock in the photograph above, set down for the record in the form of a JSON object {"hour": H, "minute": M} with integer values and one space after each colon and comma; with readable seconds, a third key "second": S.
{"hour": 12, "minute": 15}
